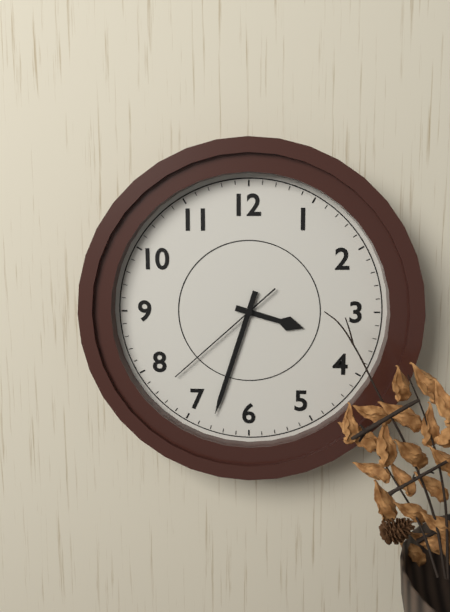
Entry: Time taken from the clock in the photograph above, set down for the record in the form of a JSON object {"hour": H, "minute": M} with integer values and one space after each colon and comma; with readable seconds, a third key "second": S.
{"hour": 3, "minute": 33, "second": 38}
